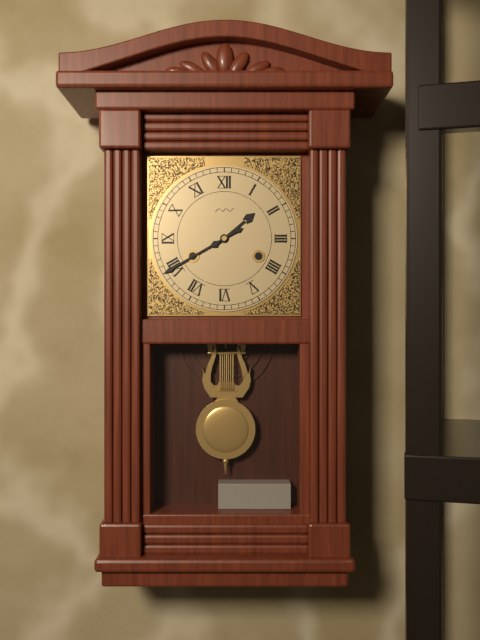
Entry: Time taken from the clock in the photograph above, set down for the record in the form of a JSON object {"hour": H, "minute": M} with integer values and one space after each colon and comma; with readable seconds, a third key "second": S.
{"hour": 1, "minute": 40}
